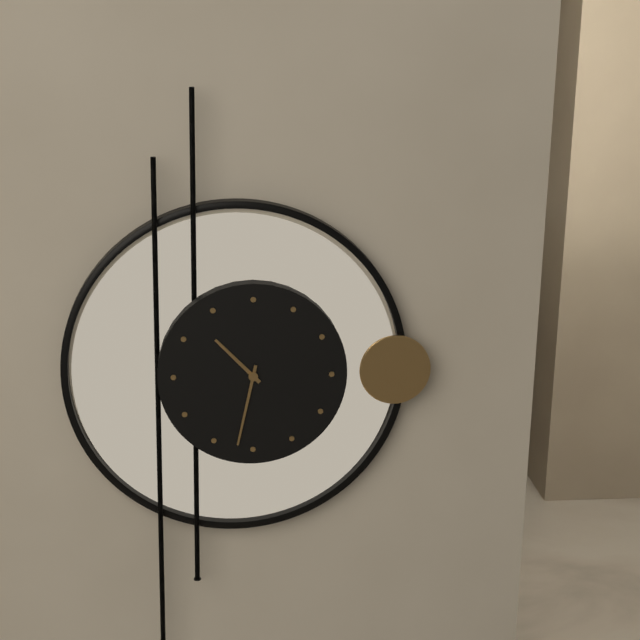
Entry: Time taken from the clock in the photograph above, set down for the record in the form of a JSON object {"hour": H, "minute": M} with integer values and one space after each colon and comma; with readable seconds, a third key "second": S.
{"hour": 10, "minute": 32}
